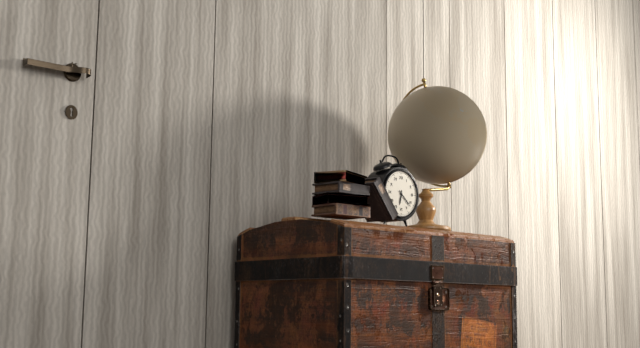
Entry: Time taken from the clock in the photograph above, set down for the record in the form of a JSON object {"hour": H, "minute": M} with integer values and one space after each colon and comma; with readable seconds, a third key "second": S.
{"hour": 6, "minute": 22}
